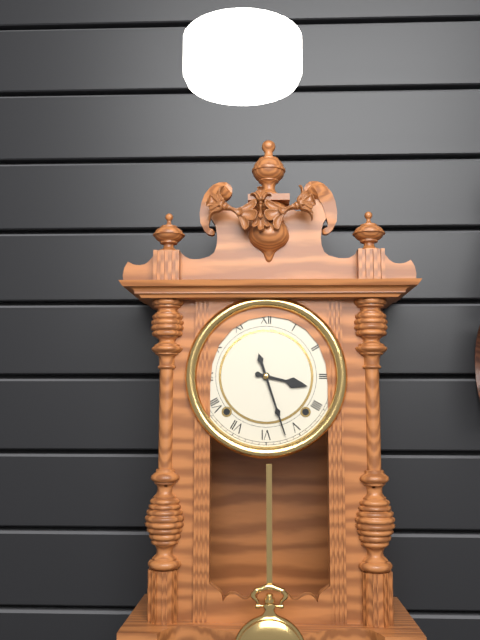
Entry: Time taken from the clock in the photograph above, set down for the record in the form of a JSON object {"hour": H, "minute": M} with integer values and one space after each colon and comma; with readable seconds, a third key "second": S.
{"hour": 3, "minute": 27}
